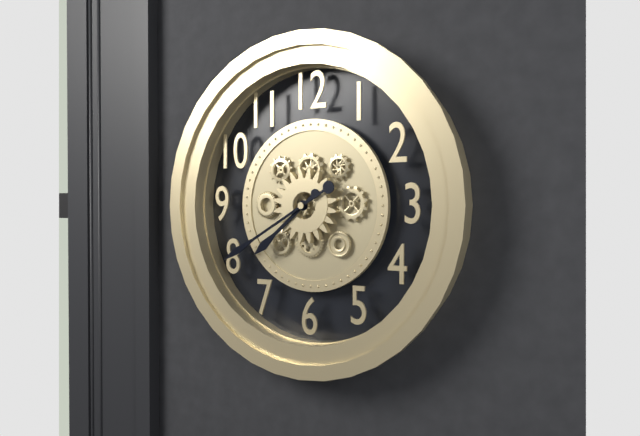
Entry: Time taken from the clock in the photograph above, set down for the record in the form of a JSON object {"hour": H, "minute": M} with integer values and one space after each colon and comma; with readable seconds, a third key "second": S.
{"hour": 7, "minute": 40}
